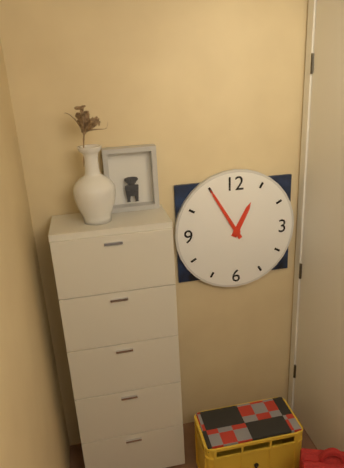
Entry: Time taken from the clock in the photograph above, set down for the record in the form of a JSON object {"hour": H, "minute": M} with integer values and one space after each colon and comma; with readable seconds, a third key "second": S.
{"hour": 12, "minute": 55}
